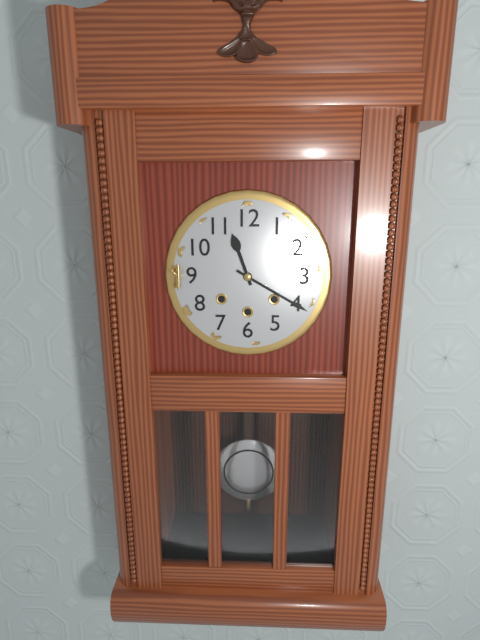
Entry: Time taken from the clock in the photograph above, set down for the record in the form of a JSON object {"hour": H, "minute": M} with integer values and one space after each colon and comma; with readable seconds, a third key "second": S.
{"hour": 11, "minute": 20}
